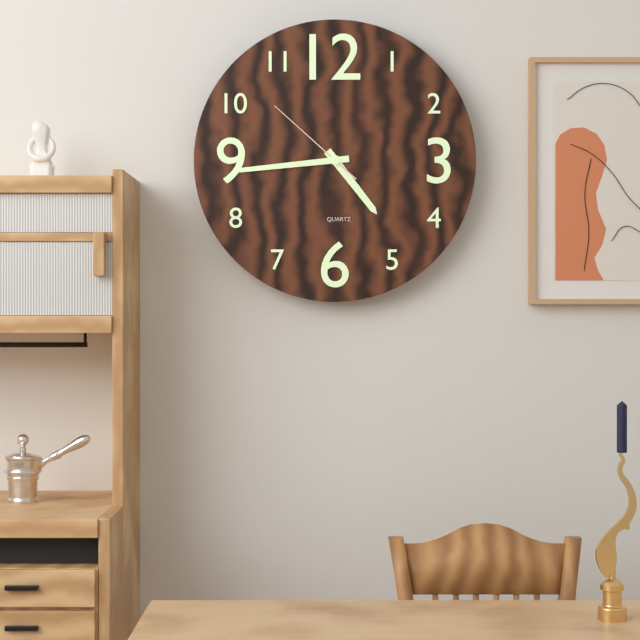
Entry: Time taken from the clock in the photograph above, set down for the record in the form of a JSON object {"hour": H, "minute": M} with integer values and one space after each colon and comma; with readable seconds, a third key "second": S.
{"hour": 4, "minute": 44, "second": 52}
